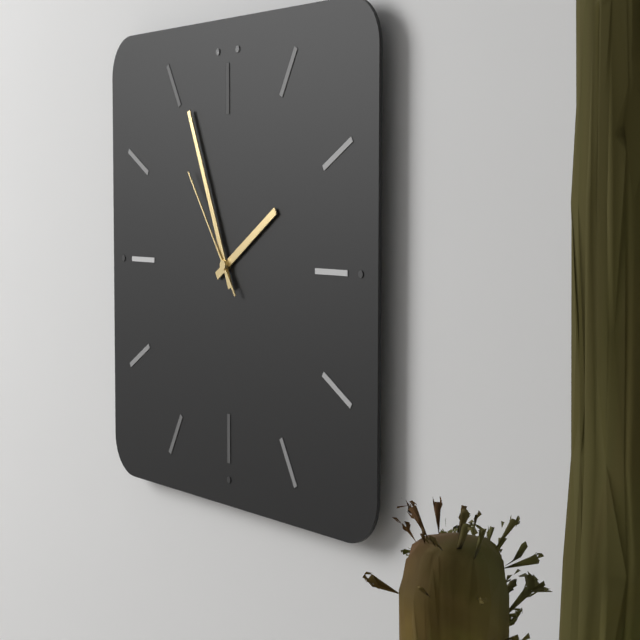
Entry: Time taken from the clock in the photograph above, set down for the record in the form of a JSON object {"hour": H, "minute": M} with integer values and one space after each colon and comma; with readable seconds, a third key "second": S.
{"hour": 1, "minute": 56, "second": 54}
